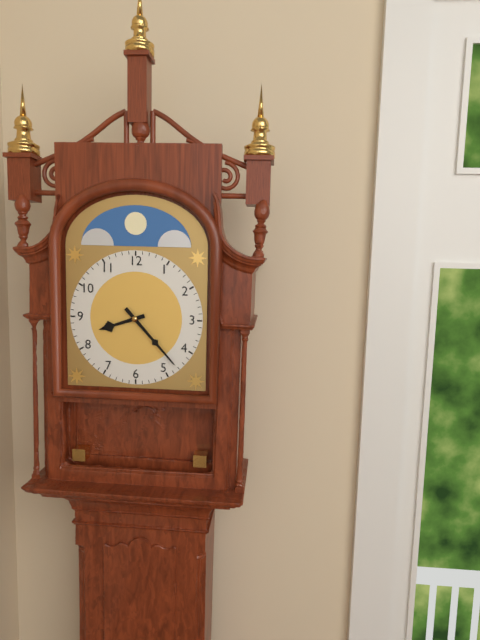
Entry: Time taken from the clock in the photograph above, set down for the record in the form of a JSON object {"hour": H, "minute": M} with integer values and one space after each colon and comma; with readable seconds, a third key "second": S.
{"hour": 8, "minute": 23}
